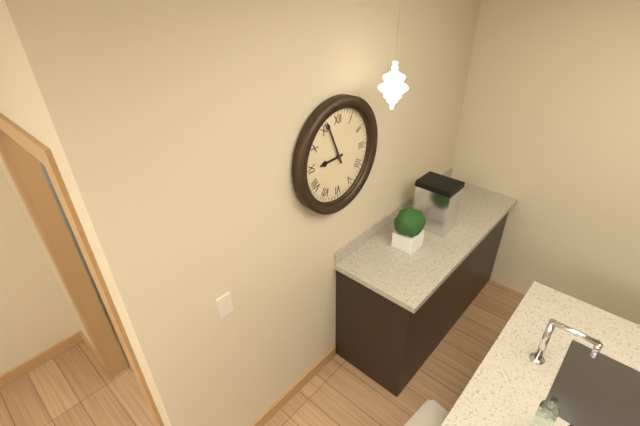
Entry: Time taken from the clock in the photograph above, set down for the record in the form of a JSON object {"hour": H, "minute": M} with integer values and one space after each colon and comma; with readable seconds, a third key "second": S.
{"hour": 8, "minute": 56}
